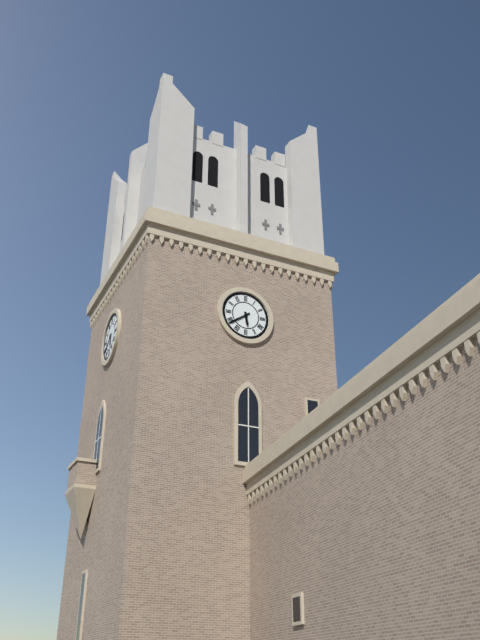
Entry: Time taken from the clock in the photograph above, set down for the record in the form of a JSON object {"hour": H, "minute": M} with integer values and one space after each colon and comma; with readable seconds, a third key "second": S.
{"hour": 5, "minute": 39}
